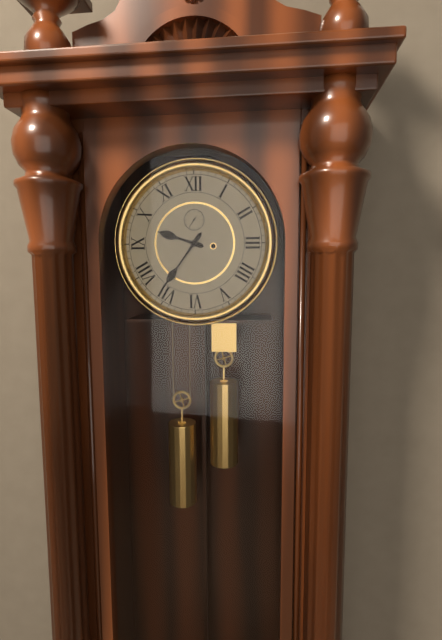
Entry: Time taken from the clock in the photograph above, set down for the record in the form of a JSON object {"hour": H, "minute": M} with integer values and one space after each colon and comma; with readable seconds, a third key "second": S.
{"hour": 9, "minute": 36}
